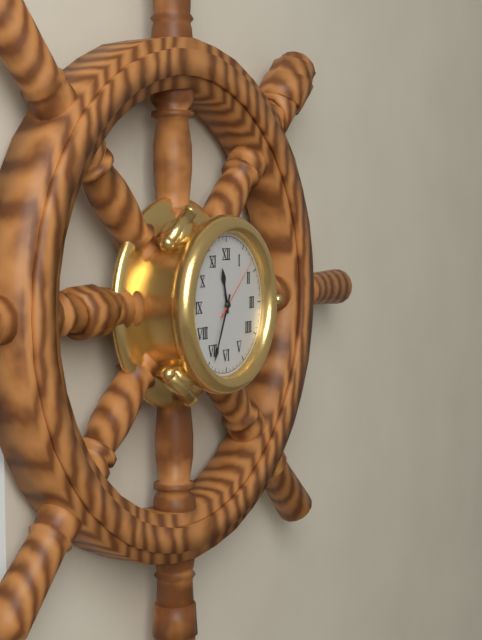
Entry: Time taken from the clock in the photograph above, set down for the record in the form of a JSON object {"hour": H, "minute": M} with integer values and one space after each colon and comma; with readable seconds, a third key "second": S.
{"hour": 11, "minute": 34, "second": 8}
